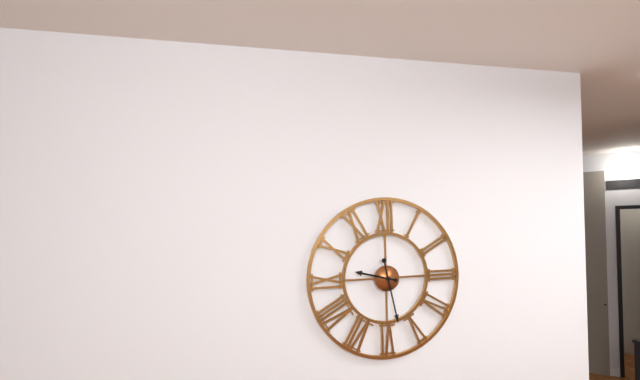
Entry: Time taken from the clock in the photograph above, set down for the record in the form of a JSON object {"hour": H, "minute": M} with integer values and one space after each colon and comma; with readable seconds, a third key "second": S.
{"hour": 9, "minute": 28}
